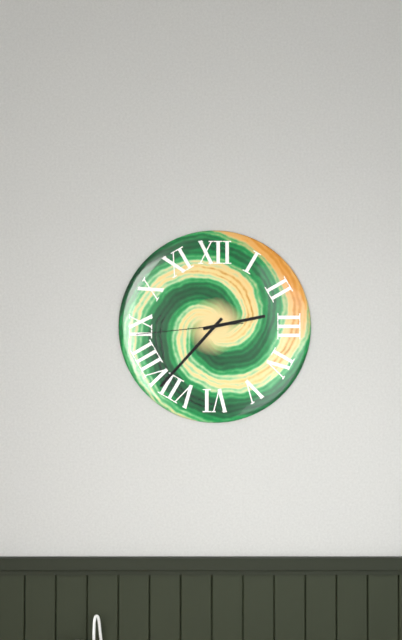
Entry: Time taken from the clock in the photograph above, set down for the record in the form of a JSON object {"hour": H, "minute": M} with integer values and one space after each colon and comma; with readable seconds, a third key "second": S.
{"hour": 2, "minute": 37, "second": 44}
